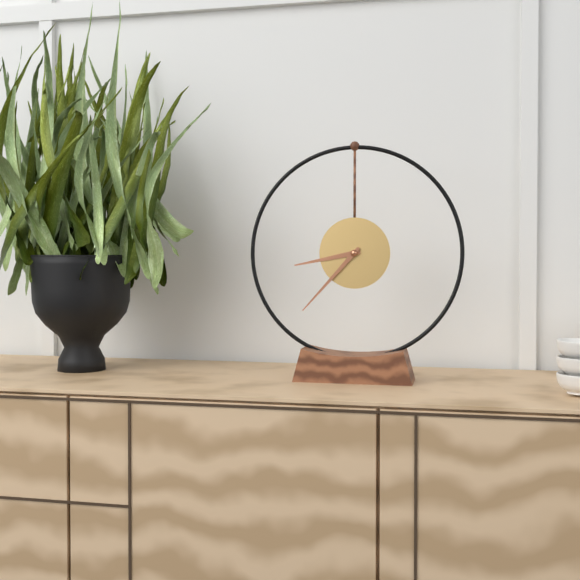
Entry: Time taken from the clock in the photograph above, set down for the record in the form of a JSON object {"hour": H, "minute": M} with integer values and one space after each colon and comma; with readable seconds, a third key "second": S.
{"hour": 8, "minute": 37}
